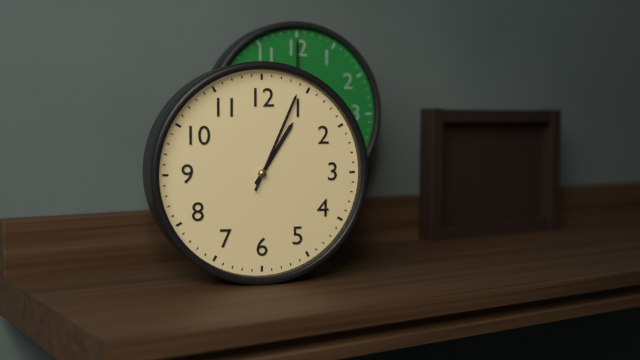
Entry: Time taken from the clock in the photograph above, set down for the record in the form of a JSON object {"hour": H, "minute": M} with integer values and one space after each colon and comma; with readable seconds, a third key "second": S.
{"hour": 1, "minute": 4}
